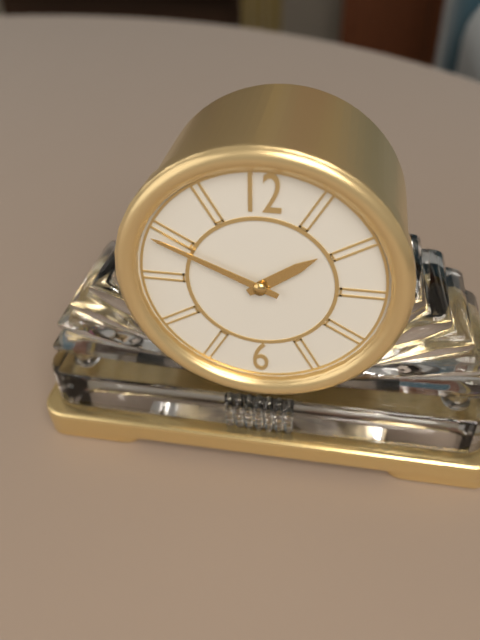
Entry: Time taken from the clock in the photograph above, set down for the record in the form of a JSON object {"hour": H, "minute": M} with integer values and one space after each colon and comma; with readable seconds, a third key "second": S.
{"hour": 1, "minute": 49}
